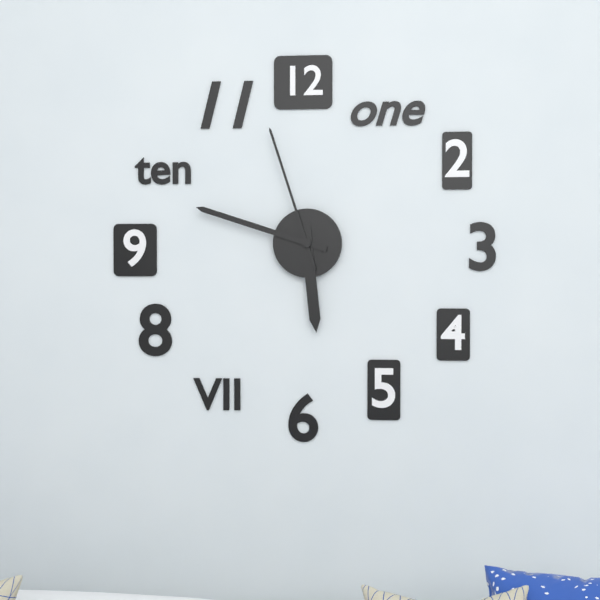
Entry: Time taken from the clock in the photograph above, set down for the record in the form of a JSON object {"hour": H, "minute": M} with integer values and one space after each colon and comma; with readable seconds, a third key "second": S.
{"hour": 5, "minute": 48, "second": 57}
